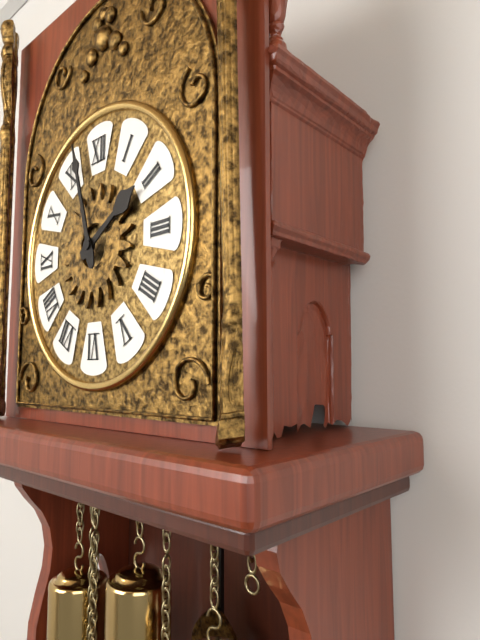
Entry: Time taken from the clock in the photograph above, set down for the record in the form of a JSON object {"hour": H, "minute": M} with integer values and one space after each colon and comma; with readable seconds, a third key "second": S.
{"hour": 1, "minute": 57}
